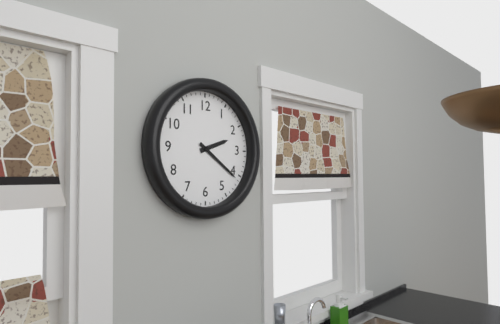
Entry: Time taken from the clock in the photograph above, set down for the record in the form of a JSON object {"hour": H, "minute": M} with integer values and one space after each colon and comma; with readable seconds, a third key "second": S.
{"hour": 2, "minute": 21}
